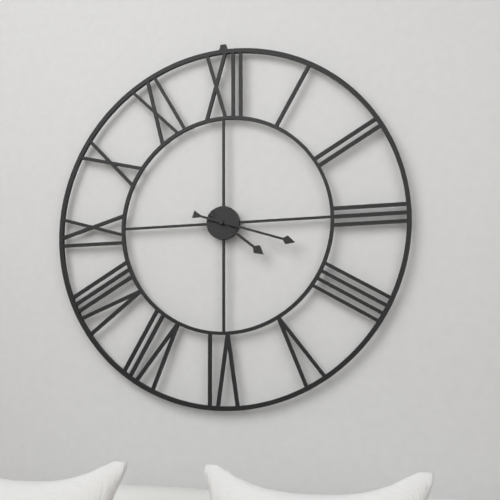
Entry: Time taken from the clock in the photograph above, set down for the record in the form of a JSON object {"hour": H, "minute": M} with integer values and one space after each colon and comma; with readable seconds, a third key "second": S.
{"hour": 4, "minute": 18}
